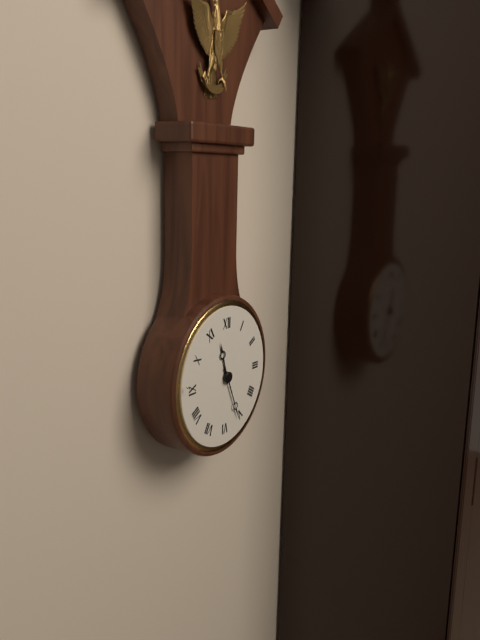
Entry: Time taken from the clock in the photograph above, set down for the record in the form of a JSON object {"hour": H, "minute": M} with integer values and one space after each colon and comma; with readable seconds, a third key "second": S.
{"hour": 11, "minute": 26}
